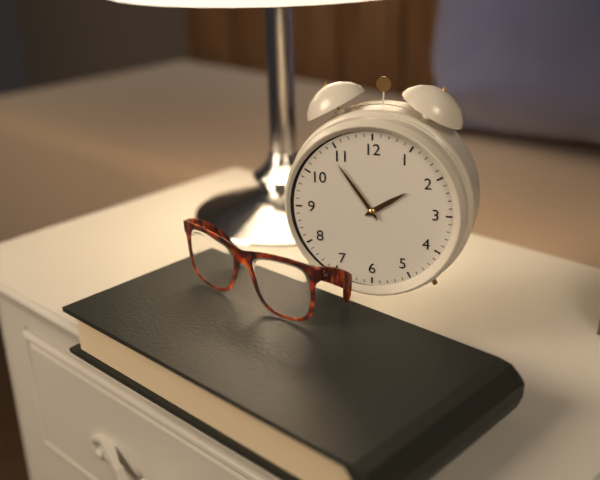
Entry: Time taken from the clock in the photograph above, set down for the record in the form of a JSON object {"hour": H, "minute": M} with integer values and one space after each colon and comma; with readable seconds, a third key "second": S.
{"hour": 1, "minute": 54}
